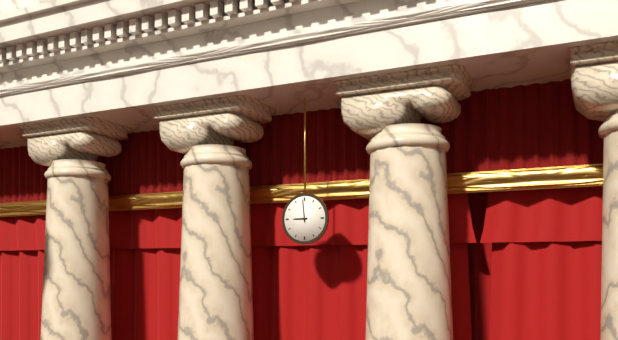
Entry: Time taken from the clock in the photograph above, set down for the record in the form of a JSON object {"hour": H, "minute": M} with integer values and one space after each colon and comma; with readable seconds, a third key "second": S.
{"hour": 8, "minute": 59}
